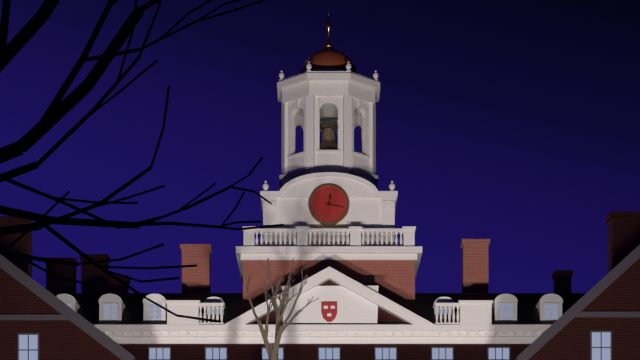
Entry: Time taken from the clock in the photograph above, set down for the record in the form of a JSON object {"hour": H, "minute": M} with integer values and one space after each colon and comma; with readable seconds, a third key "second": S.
{"hour": 12, "minute": 17}
